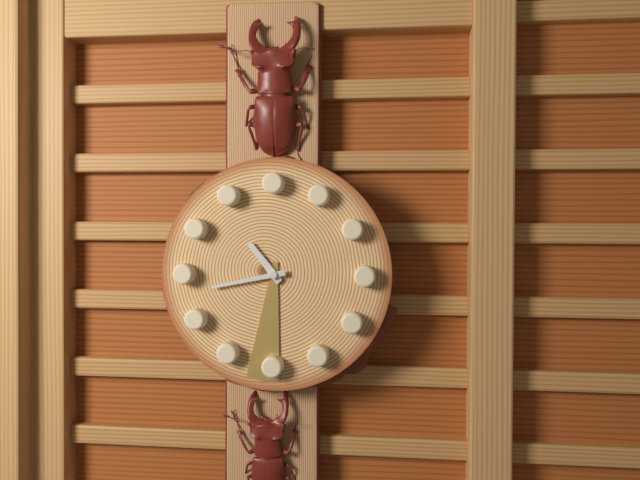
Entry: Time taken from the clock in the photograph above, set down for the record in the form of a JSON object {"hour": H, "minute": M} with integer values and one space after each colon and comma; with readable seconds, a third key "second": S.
{"hour": 10, "minute": 43, "second": 31}
